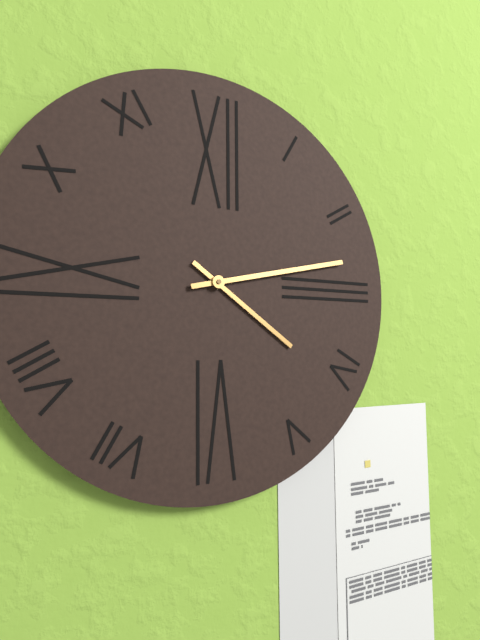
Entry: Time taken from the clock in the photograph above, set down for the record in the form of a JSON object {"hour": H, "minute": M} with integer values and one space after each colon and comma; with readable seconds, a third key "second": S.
{"hour": 4, "minute": 13}
